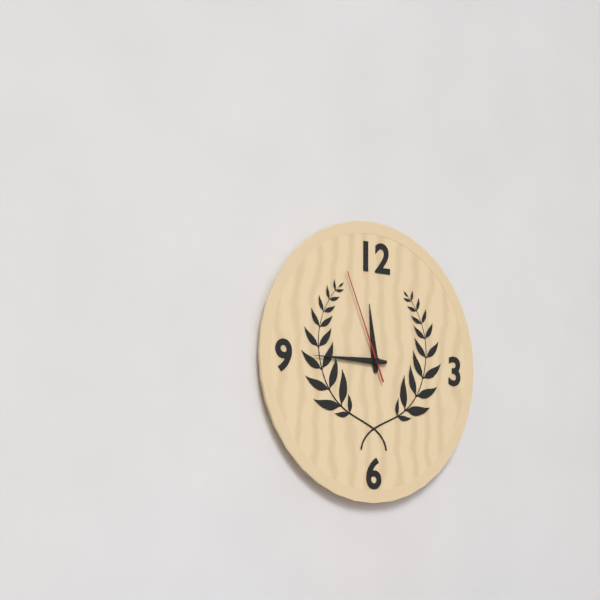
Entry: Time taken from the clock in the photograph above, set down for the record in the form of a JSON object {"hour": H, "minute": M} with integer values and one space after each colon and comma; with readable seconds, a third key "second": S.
{"hour": 11, "minute": 45, "second": 56}
